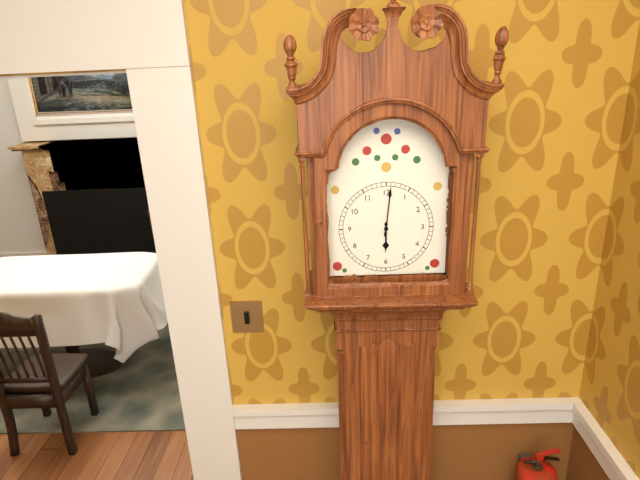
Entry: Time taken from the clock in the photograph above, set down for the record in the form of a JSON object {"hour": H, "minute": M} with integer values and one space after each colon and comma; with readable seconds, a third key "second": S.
{"hour": 6, "minute": 1}
